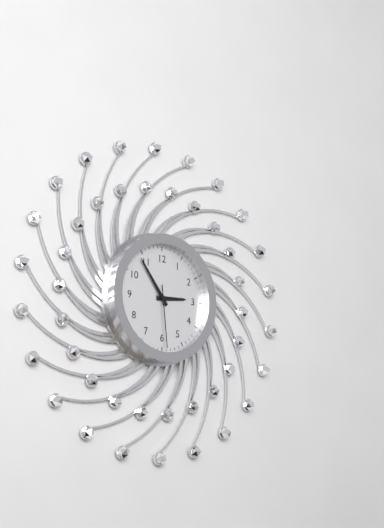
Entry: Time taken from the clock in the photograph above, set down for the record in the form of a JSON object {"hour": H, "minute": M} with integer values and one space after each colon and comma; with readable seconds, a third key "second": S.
{"hour": 2, "minute": 54, "second": 29}
